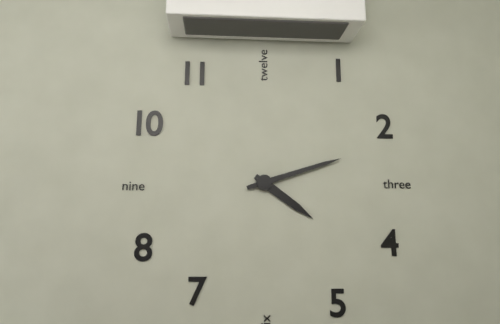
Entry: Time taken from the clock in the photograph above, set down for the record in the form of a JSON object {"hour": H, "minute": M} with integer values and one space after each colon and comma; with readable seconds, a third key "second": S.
{"hour": 4, "minute": 12}
